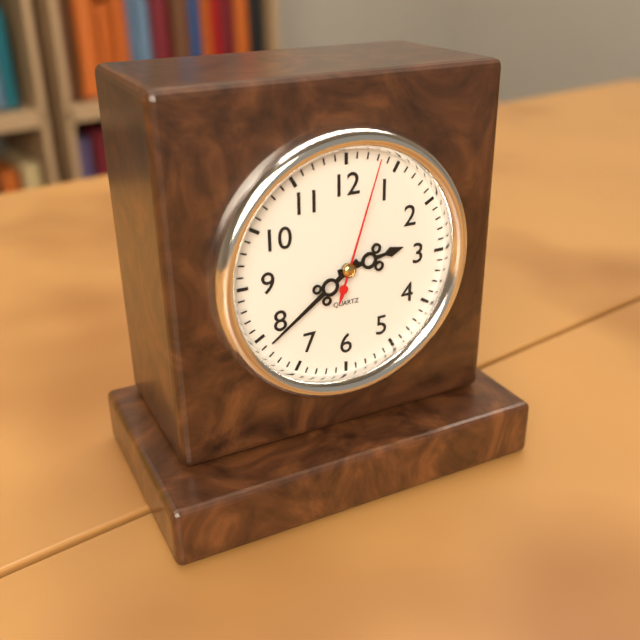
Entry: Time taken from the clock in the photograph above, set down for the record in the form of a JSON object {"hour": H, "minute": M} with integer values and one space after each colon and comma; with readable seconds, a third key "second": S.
{"hour": 2, "minute": 39, "second": 3}
